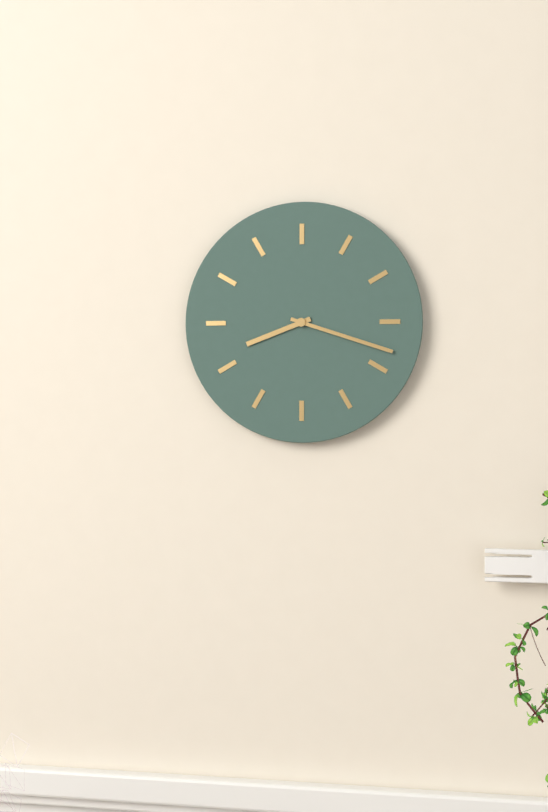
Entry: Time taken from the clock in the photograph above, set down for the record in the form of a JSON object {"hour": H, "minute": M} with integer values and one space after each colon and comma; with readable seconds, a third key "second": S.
{"hour": 8, "minute": 18}
